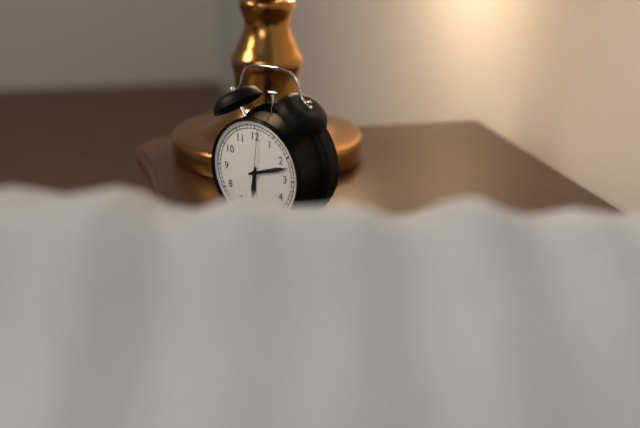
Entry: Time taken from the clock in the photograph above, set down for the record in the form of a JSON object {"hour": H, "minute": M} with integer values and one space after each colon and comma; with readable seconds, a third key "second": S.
{"hour": 6, "minute": 12}
